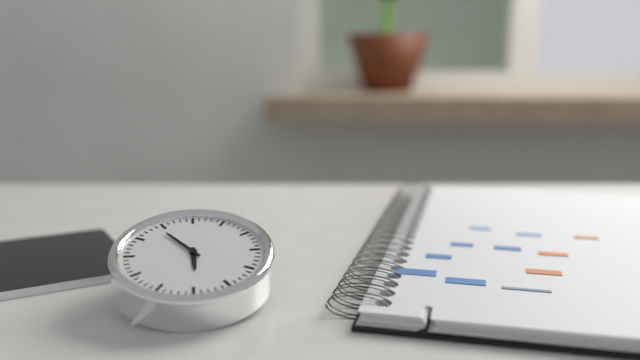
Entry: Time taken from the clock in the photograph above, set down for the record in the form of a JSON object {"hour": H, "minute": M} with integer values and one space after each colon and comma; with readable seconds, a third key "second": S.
{"hour": 5, "minute": 54}
